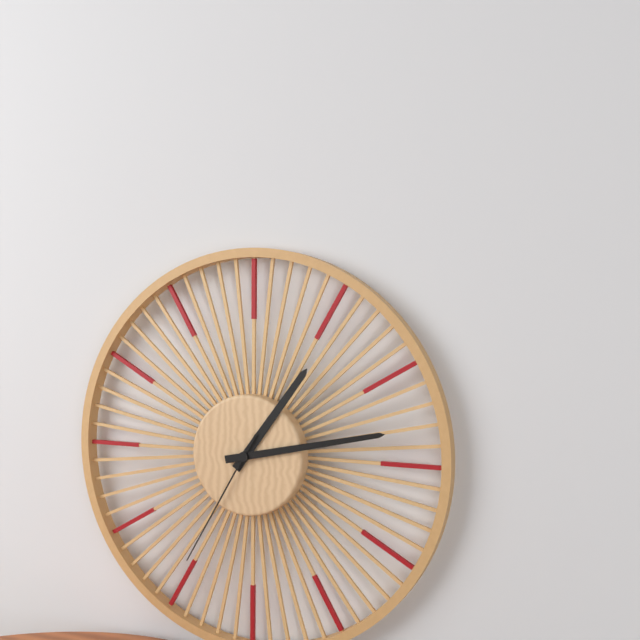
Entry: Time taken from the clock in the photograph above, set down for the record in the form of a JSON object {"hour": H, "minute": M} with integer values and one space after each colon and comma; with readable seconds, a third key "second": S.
{"hour": 1, "minute": 13, "second": 35}
